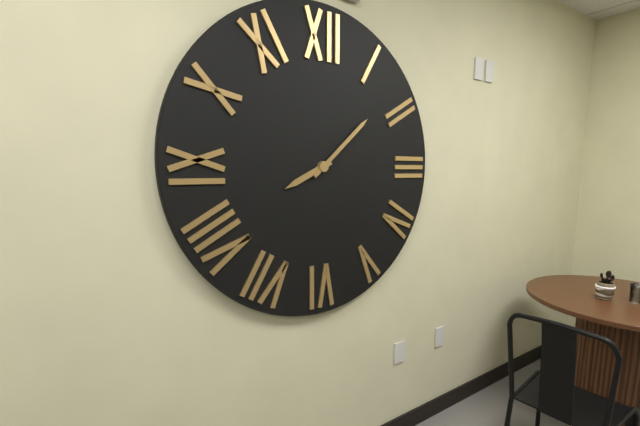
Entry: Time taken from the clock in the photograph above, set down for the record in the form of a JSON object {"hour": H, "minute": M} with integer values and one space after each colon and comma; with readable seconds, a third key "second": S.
{"hour": 8, "minute": 8}
